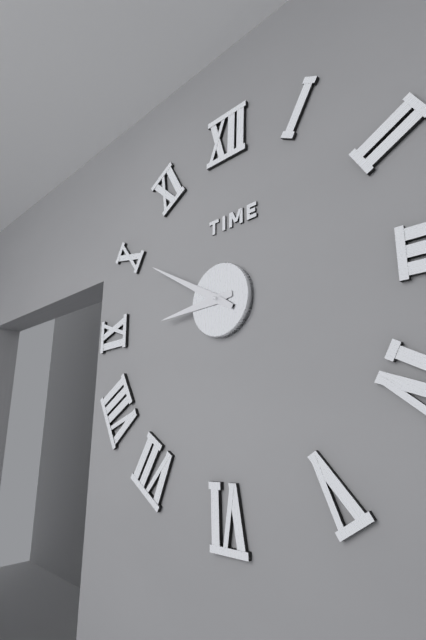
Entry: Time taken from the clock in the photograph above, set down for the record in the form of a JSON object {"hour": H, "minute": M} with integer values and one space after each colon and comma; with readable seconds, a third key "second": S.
{"hour": 8, "minute": 50}
